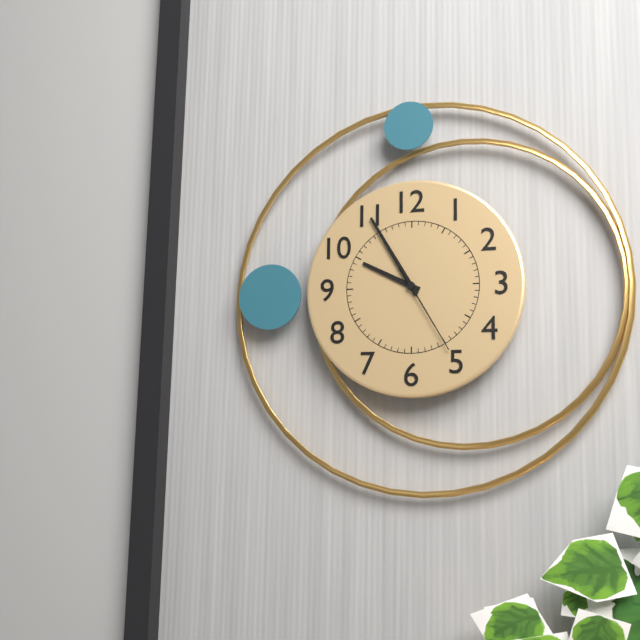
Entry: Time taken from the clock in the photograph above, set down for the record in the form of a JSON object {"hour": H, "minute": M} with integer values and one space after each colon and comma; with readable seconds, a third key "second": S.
{"hour": 9, "minute": 55, "second": 25}
